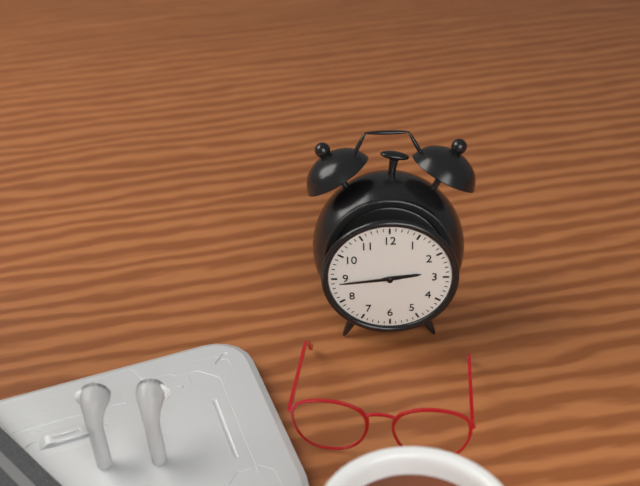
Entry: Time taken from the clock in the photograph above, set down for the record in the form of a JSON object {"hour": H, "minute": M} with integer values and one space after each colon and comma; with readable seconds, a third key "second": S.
{"hour": 2, "minute": 44}
